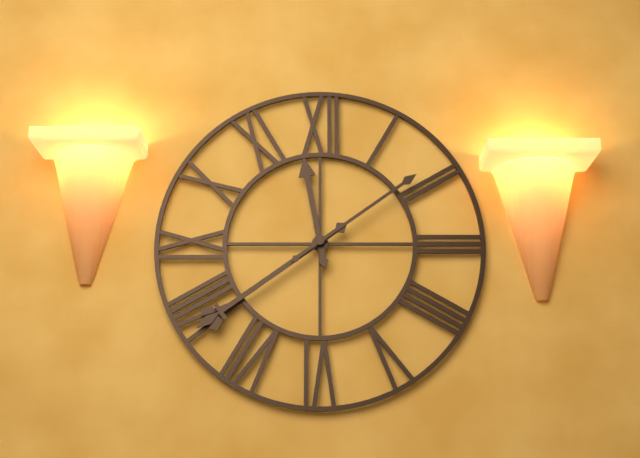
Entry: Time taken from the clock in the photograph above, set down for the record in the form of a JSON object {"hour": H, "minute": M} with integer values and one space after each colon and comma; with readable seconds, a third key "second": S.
{"hour": 11, "minute": 39, "second": 9}
